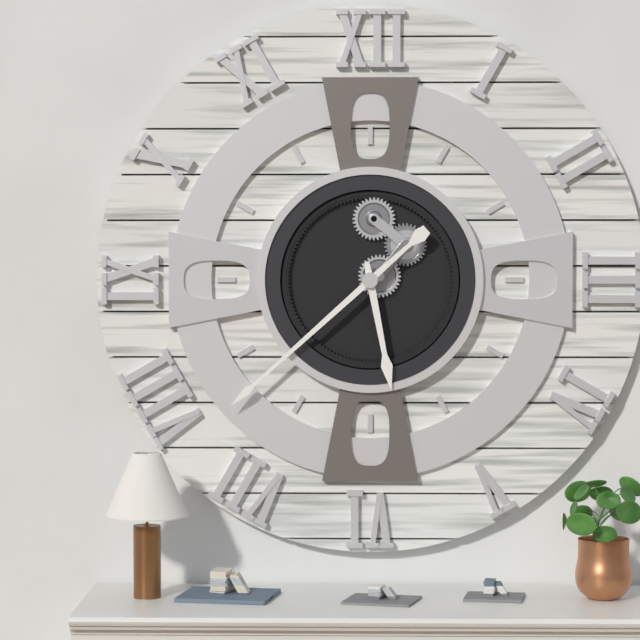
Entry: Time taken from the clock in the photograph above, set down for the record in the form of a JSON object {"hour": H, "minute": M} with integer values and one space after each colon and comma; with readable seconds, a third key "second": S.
{"hour": 5, "minute": 38}
